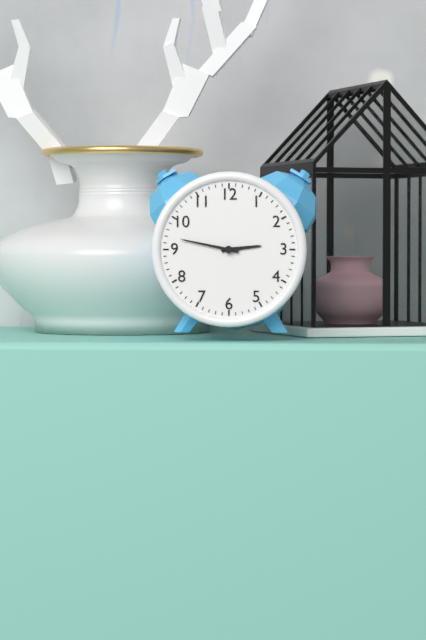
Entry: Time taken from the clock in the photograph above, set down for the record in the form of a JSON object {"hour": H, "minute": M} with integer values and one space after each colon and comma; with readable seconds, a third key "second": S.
{"hour": 2, "minute": 47}
